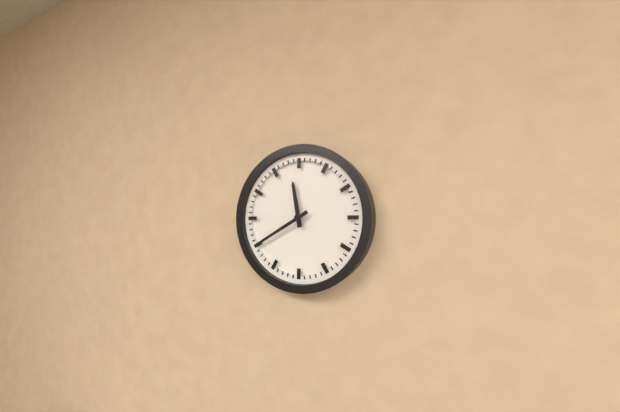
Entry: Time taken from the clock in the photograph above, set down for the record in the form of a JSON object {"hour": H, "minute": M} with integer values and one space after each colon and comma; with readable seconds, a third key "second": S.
{"hour": 11, "minute": 40}
